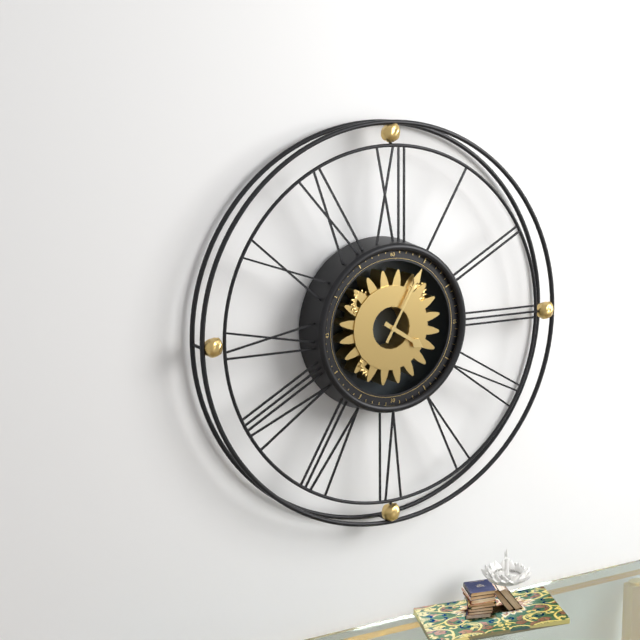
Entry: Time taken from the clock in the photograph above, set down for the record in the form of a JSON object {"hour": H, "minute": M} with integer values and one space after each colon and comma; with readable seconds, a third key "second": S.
{"hour": 4, "minute": 5}
